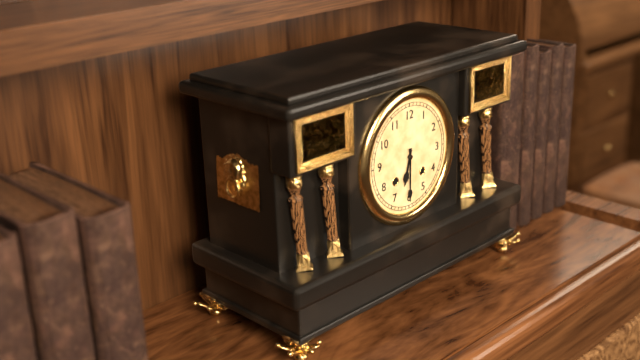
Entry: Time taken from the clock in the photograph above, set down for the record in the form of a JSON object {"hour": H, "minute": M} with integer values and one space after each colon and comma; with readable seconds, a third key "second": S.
{"hour": 6, "minute": 30}
